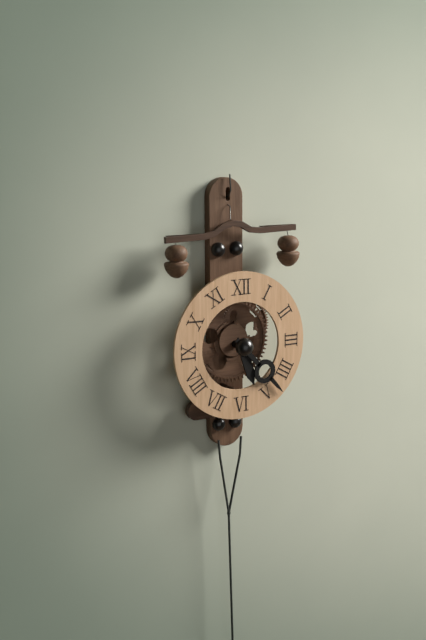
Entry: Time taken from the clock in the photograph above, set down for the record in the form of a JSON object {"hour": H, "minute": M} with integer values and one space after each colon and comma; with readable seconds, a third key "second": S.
{"hour": 5, "minute": 23}
